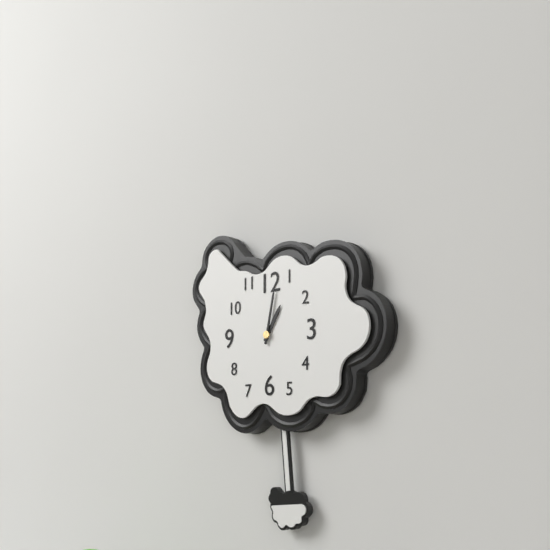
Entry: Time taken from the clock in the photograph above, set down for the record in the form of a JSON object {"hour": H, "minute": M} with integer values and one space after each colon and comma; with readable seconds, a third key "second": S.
{"hour": 1, "minute": 2}
